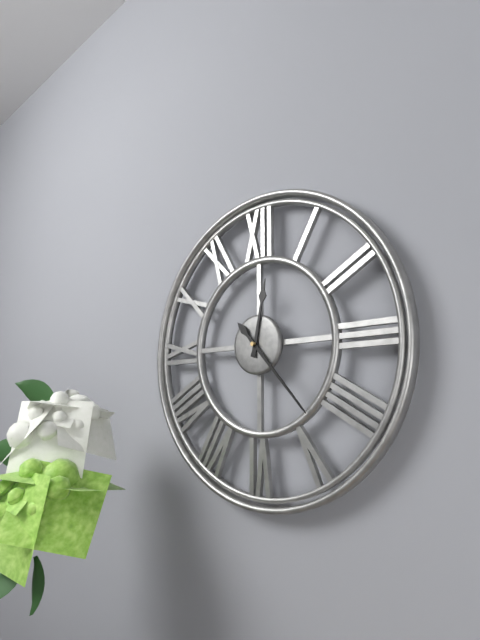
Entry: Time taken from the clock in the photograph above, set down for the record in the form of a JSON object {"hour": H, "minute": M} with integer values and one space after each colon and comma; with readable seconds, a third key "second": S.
{"hour": 12, "minute": 23}
